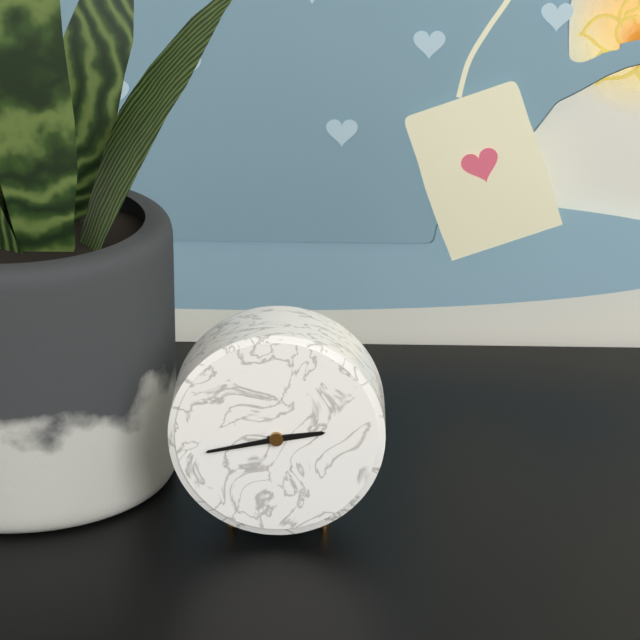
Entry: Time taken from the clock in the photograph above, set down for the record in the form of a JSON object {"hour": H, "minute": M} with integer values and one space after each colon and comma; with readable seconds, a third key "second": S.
{"hour": 2, "minute": 43}
